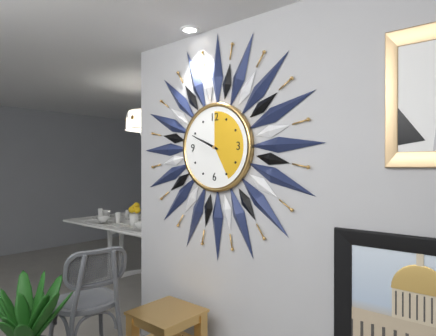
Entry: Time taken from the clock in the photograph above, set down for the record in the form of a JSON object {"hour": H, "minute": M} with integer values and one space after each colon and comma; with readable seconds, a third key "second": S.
{"hour": 9, "minute": 49}
